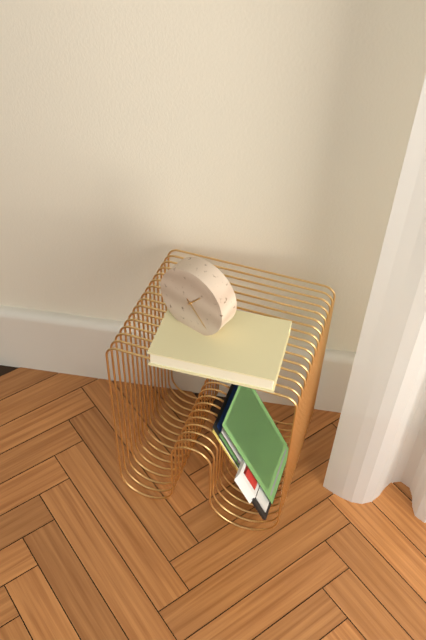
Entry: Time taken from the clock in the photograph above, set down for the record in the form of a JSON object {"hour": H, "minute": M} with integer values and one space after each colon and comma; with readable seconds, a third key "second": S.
{"hour": 1, "minute": 23}
